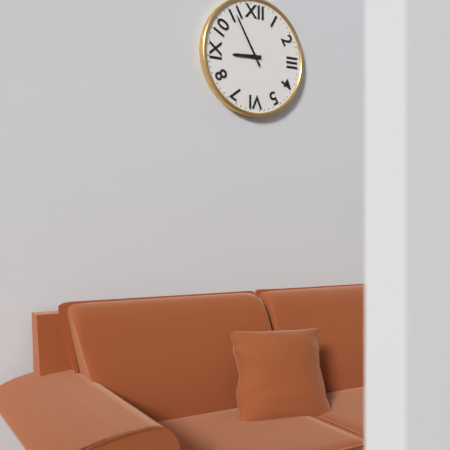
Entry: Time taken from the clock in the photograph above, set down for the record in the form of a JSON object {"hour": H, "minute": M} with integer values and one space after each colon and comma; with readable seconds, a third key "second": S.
{"hour": 8, "minute": 55}
